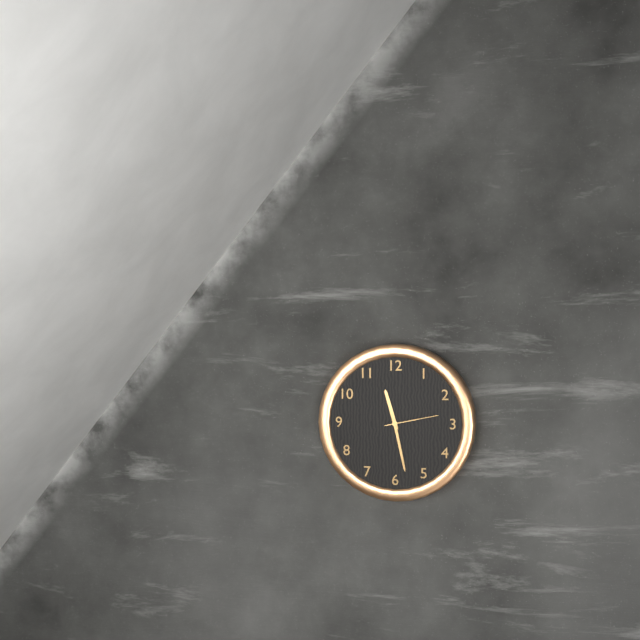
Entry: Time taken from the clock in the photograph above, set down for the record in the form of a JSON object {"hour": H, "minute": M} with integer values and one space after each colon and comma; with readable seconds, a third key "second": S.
{"hour": 11, "minute": 28, "second": 13}
